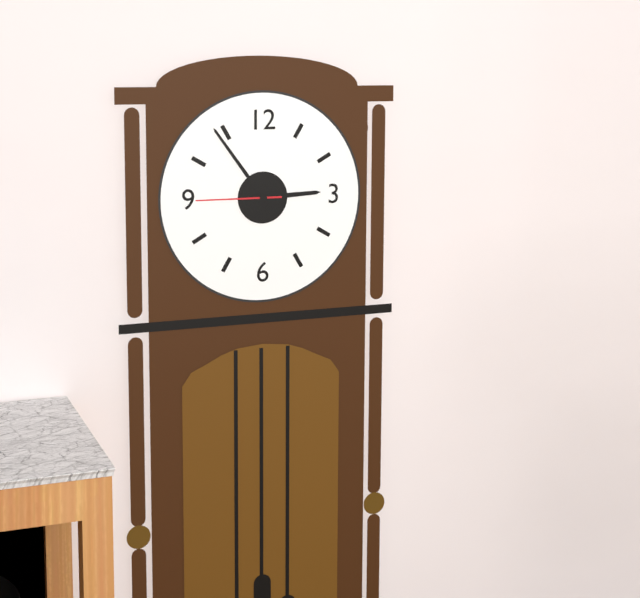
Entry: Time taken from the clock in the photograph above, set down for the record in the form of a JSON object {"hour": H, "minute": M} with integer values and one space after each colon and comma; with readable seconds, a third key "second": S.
{"hour": 2, "minute": 54, "second": 45}
